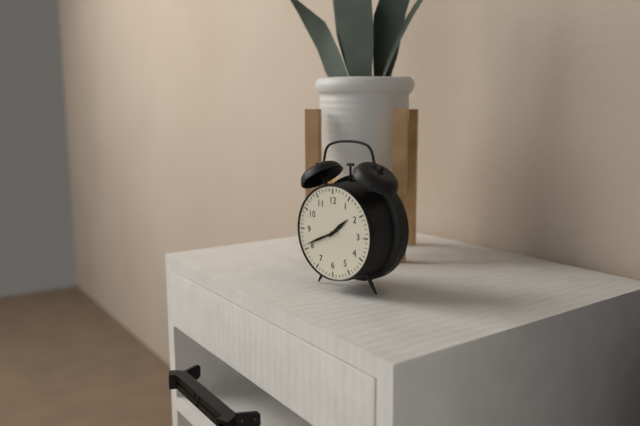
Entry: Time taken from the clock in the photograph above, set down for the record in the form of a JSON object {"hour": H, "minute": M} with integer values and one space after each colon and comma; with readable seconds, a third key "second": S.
{"hour": 1, "minute": 41}
